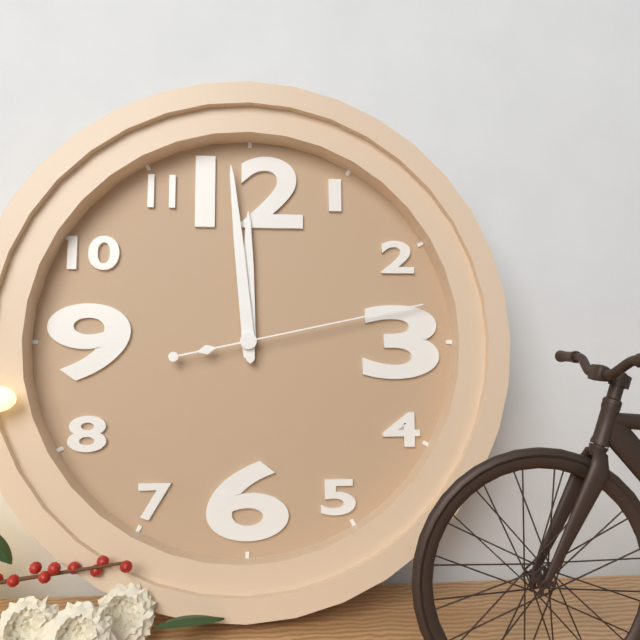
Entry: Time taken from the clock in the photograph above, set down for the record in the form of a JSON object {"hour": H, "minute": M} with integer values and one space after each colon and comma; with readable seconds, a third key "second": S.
{"hour": 11, "minute": 59, "second": 13}
